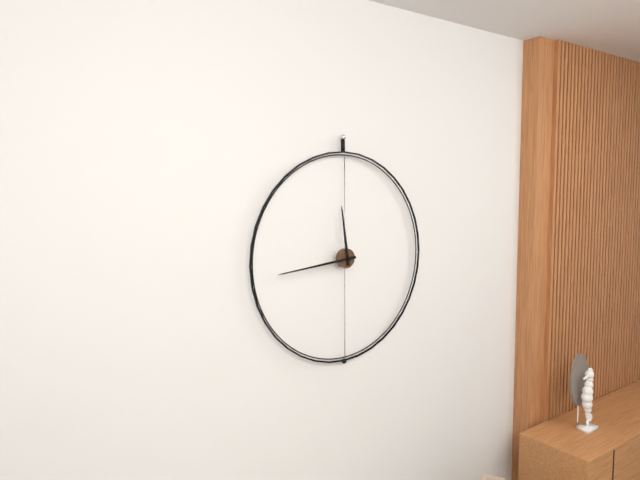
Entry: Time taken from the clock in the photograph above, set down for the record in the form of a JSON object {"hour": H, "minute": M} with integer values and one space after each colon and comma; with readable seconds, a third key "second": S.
{"hour": 11, "minute": 44}
